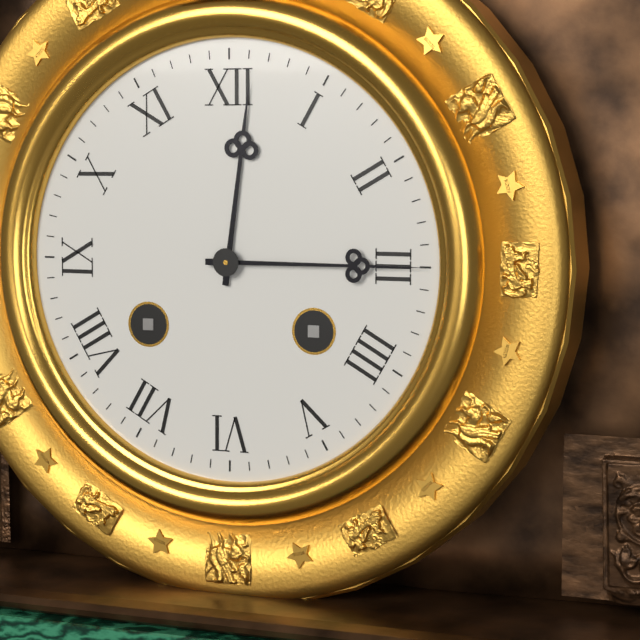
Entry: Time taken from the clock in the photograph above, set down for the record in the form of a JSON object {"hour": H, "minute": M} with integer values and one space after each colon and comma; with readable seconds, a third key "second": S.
{"hour": 12, "minute": 15}
